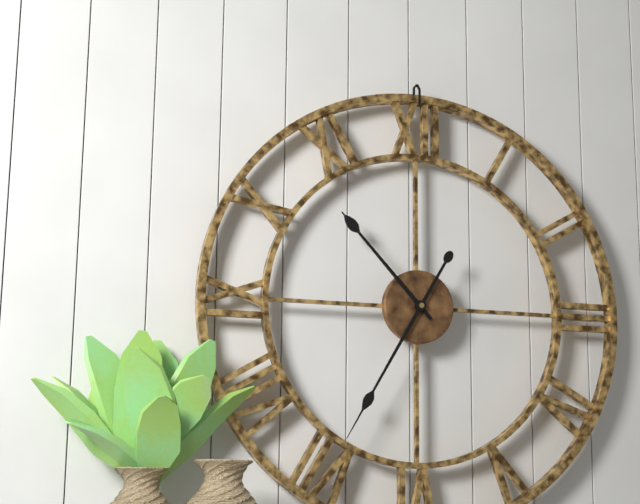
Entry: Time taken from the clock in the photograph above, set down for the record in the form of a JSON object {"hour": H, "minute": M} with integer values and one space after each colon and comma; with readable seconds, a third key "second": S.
{"hour": 10, "minute": 35}
